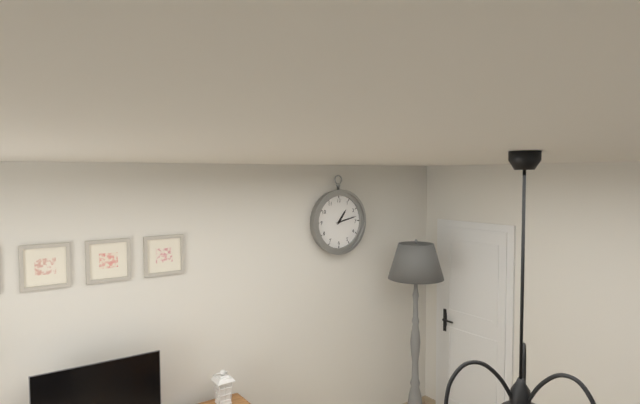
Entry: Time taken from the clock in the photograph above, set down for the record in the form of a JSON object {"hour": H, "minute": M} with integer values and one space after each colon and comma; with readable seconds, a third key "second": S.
{"hour": 1, "minute": 13}
